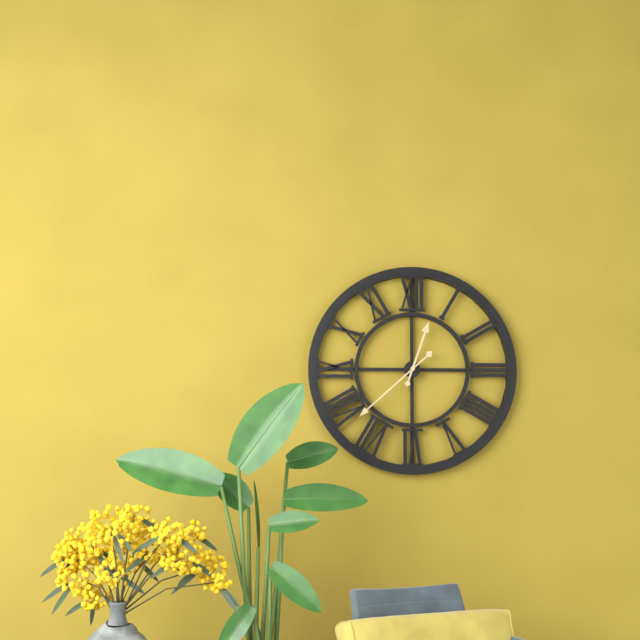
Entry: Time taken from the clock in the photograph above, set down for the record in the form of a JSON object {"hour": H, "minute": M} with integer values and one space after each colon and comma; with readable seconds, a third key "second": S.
{"hour": 12, "minute": 38}
